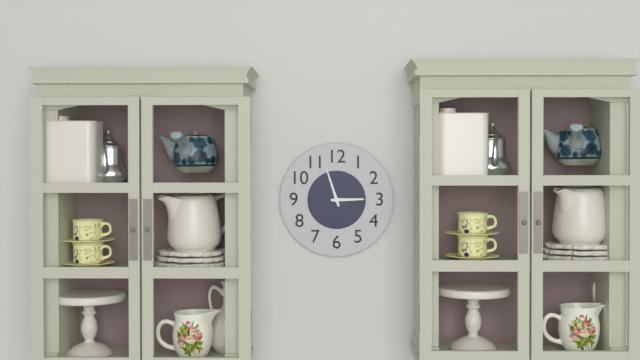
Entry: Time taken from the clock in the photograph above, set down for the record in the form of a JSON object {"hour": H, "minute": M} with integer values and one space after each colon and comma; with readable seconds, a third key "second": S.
{"hour": 2, "minute": 57}
